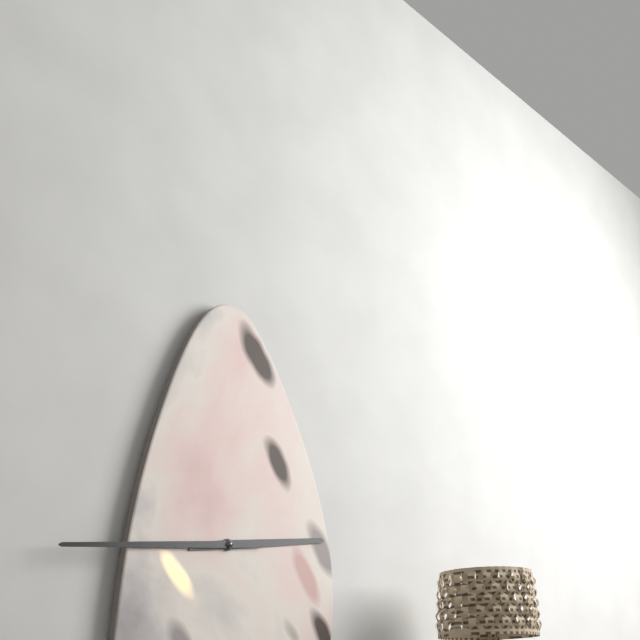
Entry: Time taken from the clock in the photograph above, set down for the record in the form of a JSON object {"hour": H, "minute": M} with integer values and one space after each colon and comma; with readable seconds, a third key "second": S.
{"hour": 2, "minute": 44}
